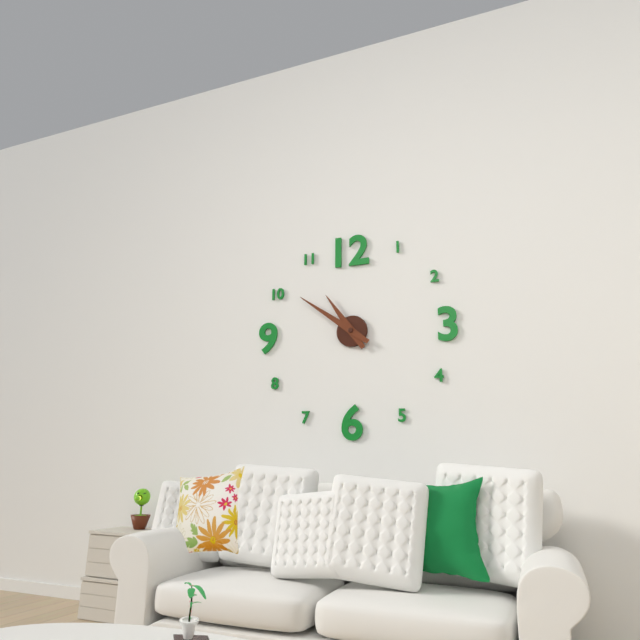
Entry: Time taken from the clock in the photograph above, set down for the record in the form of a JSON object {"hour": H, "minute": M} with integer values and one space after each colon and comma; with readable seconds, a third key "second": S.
{"hour": 10, "minute": 51}
